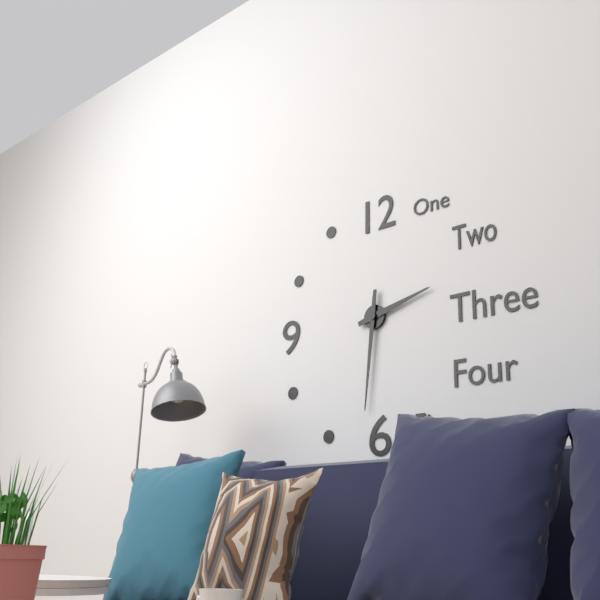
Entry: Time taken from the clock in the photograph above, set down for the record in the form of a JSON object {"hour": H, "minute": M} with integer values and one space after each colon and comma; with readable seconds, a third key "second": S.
{"hour": 2, "minute": 31}
